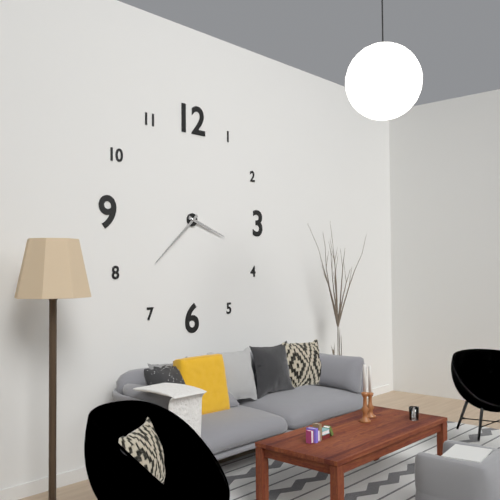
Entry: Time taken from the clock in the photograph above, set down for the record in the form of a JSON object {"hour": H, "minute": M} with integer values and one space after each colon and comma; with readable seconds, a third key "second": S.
{"hour": 3, "minute": 38}
